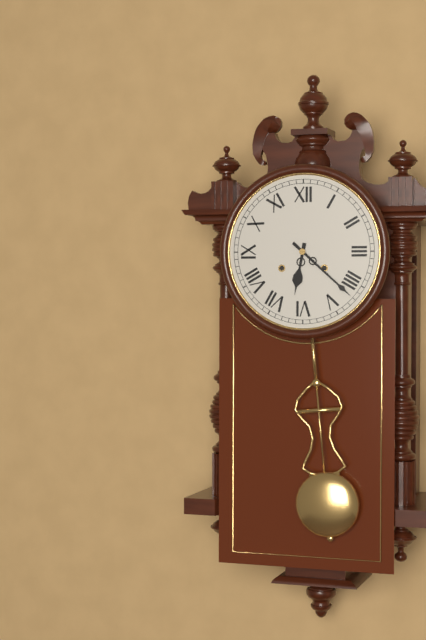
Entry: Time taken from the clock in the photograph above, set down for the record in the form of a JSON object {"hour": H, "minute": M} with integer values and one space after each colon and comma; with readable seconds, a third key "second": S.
{"hour": 6, "minute": 22}
